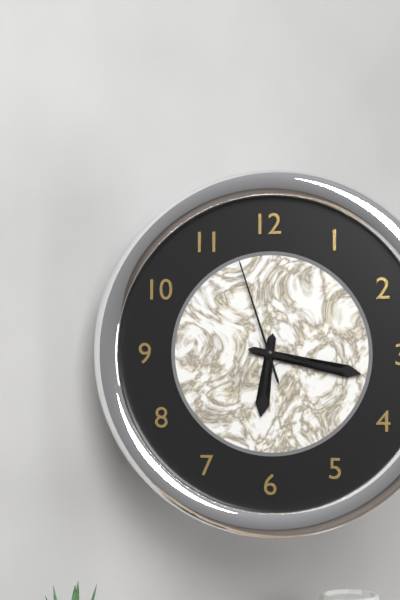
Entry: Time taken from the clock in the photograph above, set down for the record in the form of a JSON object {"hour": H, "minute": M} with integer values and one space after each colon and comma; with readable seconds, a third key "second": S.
{"hour": 6, "minute": 17, "second": 57}
